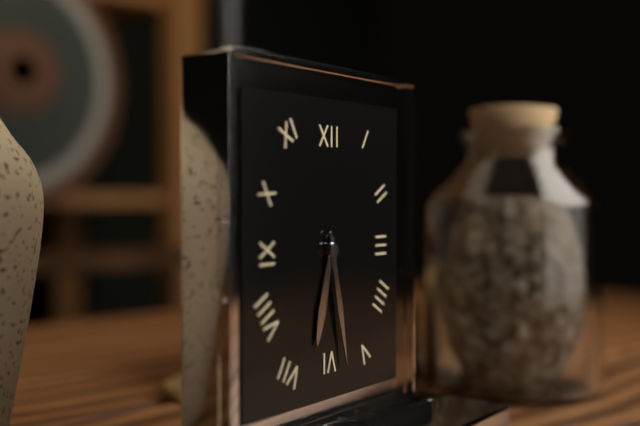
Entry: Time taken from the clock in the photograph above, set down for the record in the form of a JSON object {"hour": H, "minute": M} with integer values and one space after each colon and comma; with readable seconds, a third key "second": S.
{"hour": 6, "minute": 28}
